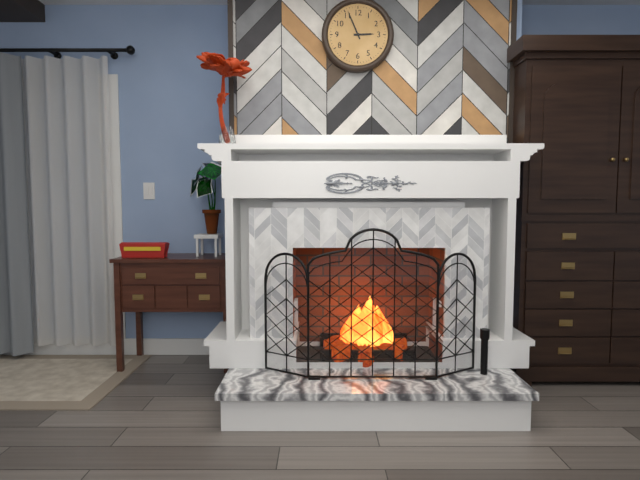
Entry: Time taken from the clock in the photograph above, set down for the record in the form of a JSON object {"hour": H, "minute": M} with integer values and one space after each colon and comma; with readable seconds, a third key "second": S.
{"hour": 2, "minute": 56}
